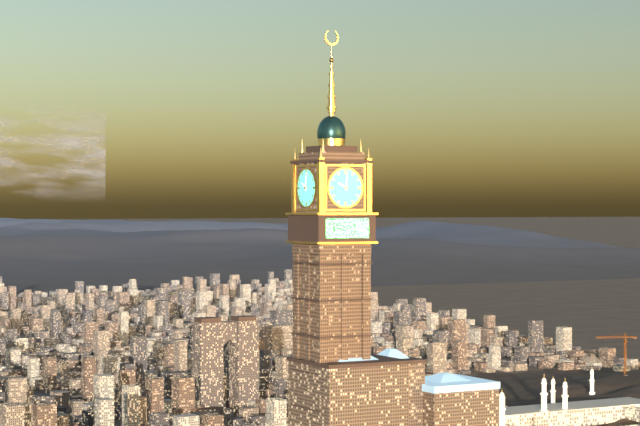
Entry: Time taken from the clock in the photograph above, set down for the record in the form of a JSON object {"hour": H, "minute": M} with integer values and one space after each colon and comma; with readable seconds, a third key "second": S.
{"hour": 10, "minute": 1}
